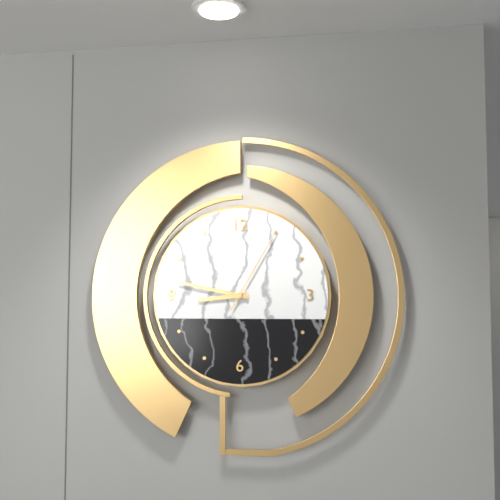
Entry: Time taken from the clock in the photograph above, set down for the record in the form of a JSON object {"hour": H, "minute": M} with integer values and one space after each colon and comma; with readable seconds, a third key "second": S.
{"hour": 8, "minute": 47, "second": 5}
